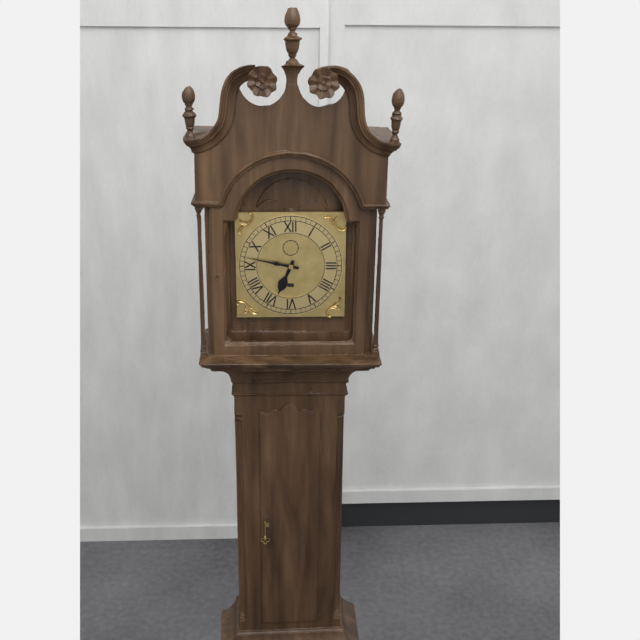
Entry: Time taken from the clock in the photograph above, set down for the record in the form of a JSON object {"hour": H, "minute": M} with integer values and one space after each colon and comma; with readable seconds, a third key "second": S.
{"hour": 6, "minute": 47}
